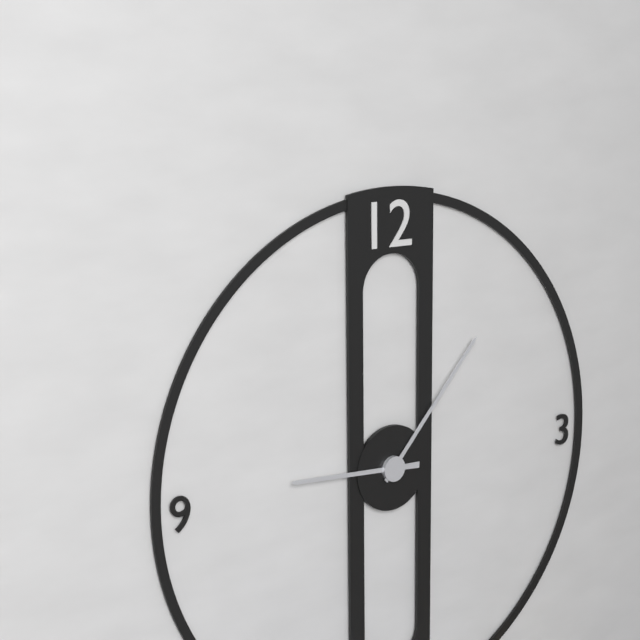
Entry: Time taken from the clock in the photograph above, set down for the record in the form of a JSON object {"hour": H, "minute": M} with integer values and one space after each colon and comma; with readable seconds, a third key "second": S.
{"hour": 9, "minute": 7}
